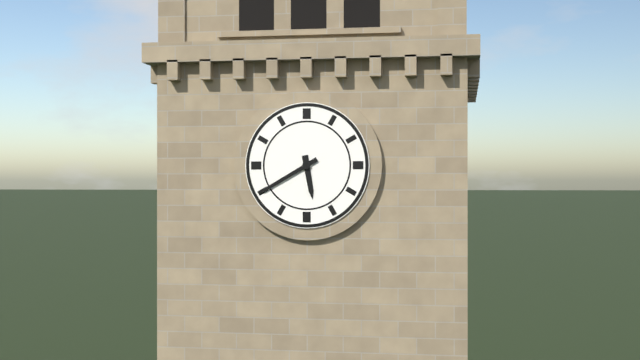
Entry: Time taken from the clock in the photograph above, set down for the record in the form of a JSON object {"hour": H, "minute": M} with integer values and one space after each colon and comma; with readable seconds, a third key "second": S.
{"hour": 5, "minute": 40}
